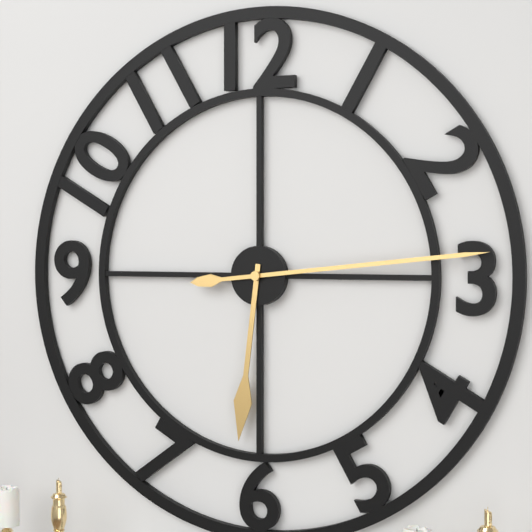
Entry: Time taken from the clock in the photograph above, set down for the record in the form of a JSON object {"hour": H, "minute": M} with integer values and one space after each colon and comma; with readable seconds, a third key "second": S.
{"hour": 6, "minute": 14}
